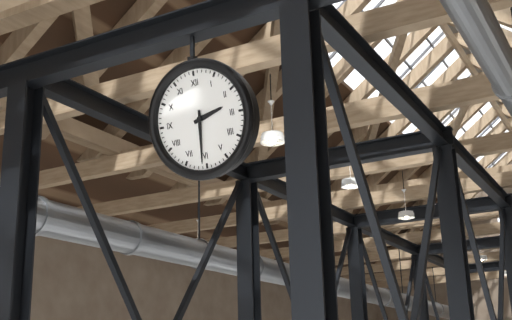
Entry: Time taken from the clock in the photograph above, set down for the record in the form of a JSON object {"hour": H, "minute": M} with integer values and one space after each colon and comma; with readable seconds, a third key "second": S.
{"hour": 2, "minute": 31}
